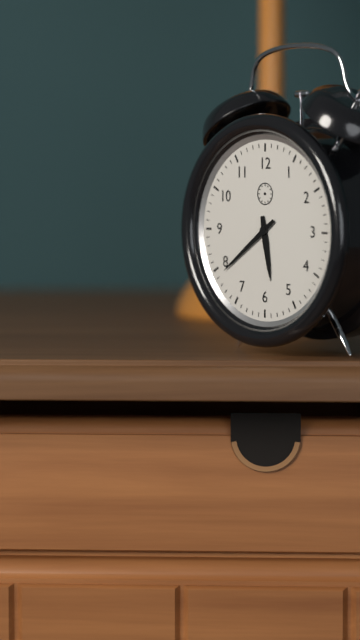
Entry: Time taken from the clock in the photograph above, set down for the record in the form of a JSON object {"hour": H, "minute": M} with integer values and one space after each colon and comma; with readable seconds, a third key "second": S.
{"hour": 5, "minute": 39}
